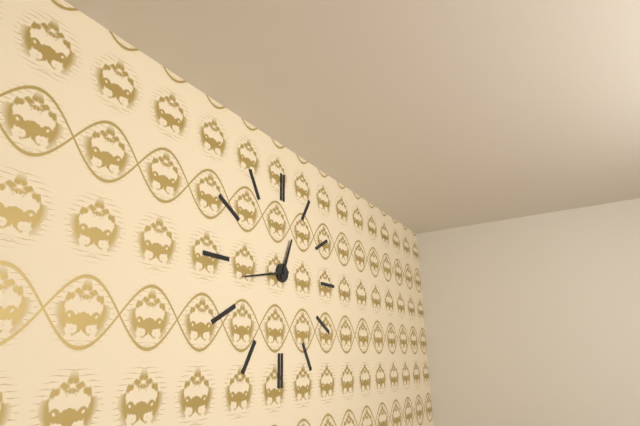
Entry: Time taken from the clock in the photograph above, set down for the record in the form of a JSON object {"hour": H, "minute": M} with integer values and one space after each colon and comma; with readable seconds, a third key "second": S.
{"hour": 12, "minute": 43}
